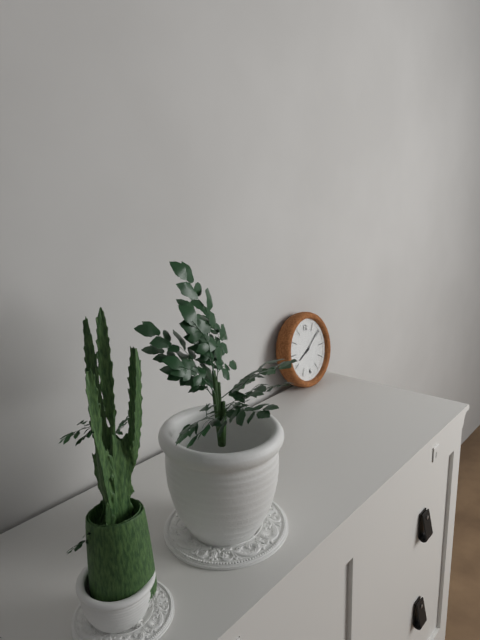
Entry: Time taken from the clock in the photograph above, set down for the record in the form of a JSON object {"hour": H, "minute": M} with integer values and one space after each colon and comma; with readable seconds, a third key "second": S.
{"hour": 8, "minute": 9}
